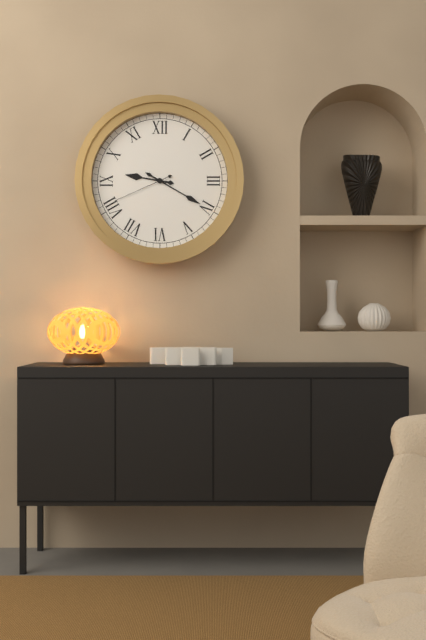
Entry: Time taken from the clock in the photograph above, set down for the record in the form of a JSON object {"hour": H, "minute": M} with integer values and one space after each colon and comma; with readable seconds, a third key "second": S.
{"hour": 9, "minute": 20, "second": 41}
